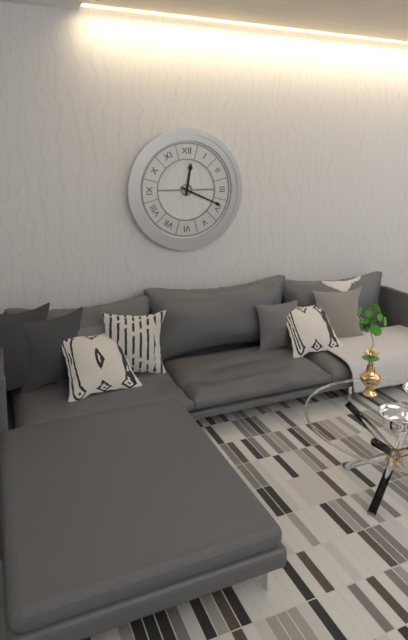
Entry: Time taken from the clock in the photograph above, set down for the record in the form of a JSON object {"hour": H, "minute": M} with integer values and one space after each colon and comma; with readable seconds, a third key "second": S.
{"hour": 12, "minute": 19}
